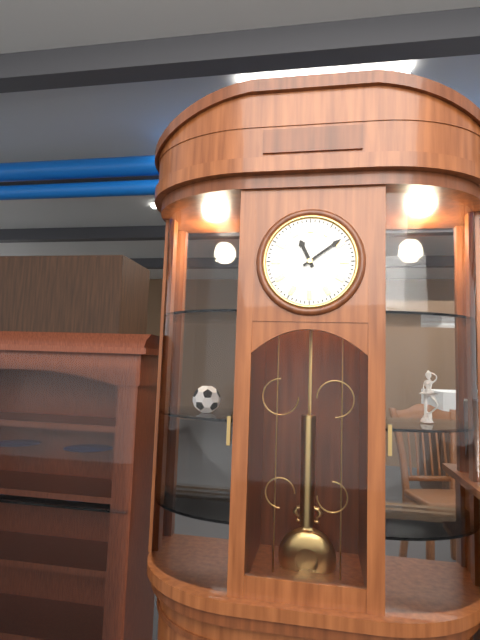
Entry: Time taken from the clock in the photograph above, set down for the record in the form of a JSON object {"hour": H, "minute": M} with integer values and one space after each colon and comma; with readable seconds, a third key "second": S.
{"hour": 11, "minute": 9}
